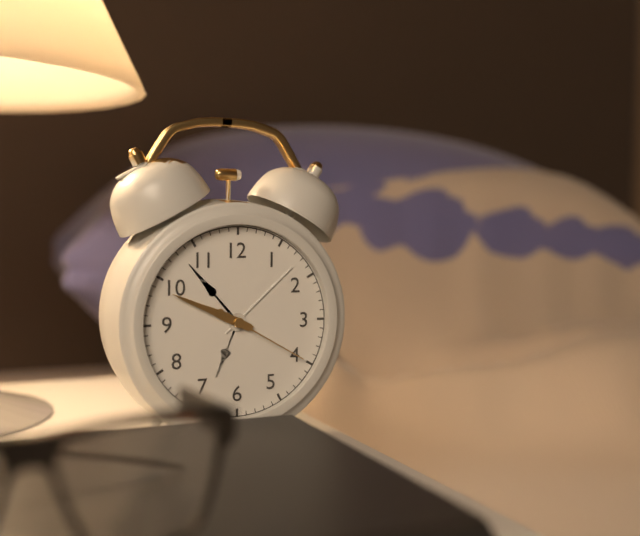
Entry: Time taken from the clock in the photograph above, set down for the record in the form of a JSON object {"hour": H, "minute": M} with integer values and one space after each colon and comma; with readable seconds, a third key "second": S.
{"hour": 9, "minute": 49, "second": 20}
